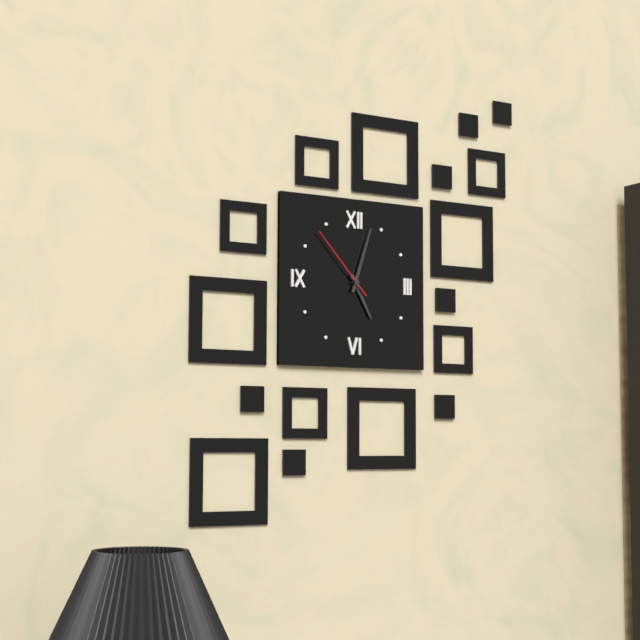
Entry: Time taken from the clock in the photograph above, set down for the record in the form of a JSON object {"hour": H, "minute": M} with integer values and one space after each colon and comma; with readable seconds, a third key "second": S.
{"hour": 5, "minute": 3, "second": 53}
